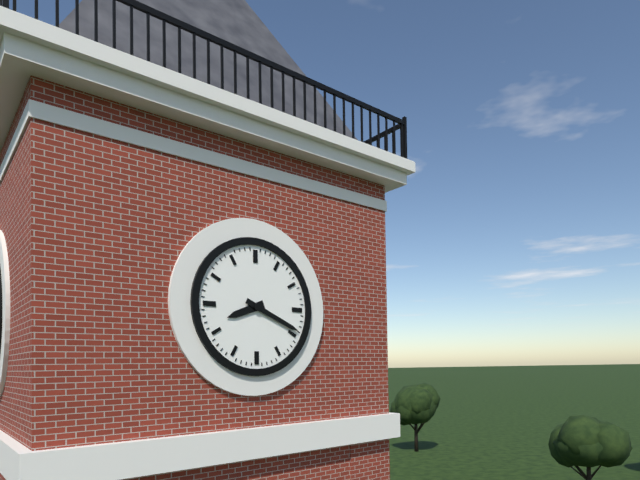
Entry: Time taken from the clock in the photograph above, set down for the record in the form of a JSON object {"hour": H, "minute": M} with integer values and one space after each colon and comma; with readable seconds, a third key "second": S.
{"hour": 8, "minute": 19}
